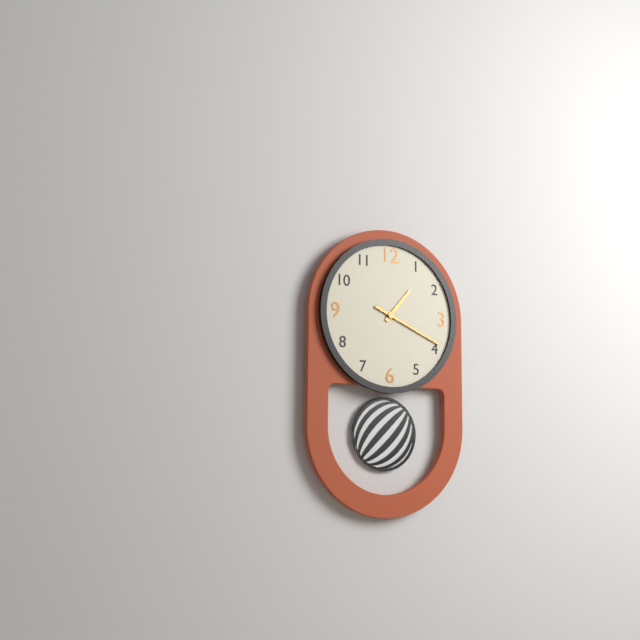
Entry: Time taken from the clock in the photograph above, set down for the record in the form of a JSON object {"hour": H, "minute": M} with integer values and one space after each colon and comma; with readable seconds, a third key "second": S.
{"hour": 1, "minute": 19}
